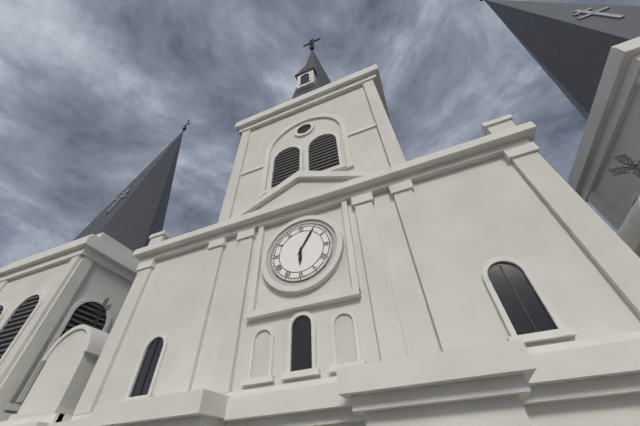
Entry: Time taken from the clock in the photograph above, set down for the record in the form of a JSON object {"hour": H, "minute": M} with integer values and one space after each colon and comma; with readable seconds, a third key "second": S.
{"hour": 6, "minute": 5}
